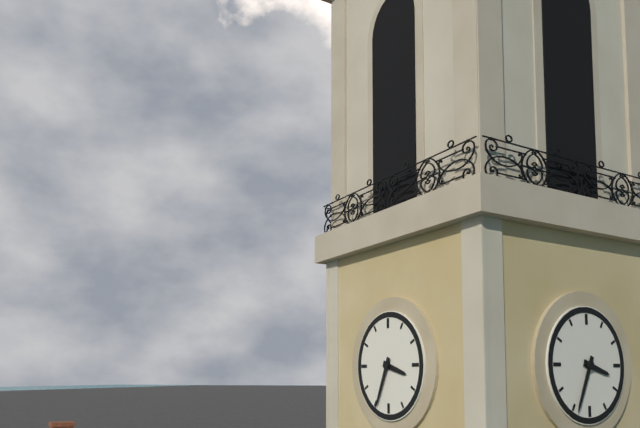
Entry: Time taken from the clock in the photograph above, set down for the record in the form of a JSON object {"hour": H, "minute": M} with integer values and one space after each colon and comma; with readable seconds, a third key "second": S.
{"hour": 3, "minute": 34}
